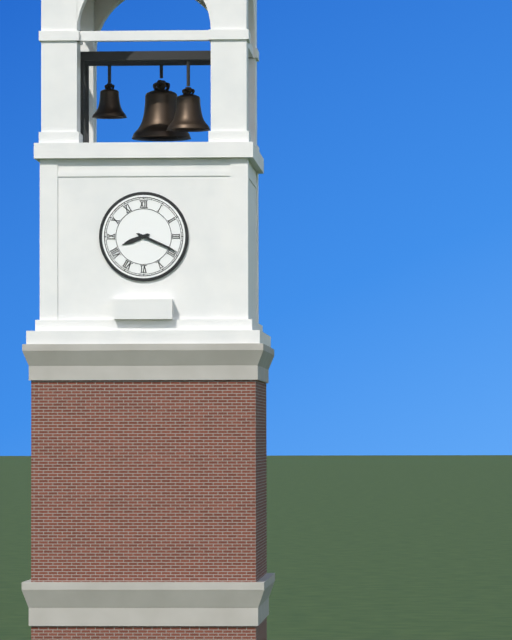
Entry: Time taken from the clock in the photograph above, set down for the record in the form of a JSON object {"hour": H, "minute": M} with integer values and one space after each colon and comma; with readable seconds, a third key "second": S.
{"hour": 8, "minute": 19}
